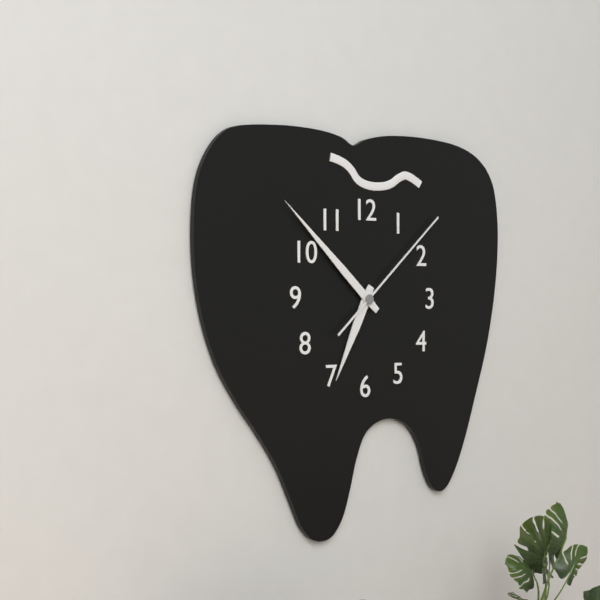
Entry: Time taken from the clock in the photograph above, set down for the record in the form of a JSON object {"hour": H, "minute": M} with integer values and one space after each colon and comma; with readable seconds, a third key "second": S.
{"hour": 6, "minute": 52, "second": 8}
